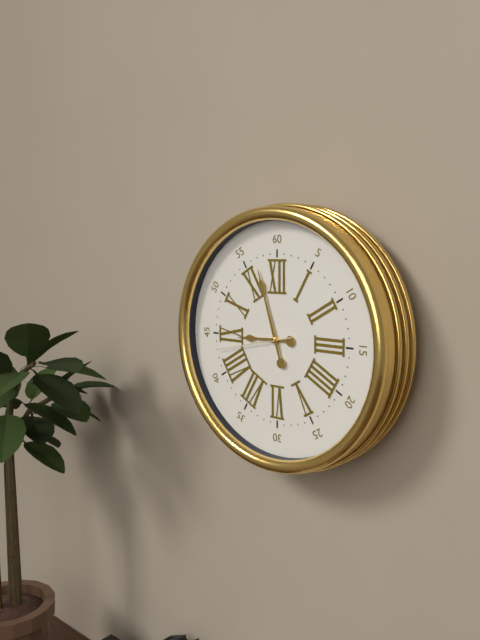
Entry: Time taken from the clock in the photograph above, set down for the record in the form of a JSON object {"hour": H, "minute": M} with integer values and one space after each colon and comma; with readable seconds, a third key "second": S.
{"hour": 8, "minute": 57, "second": 43}
